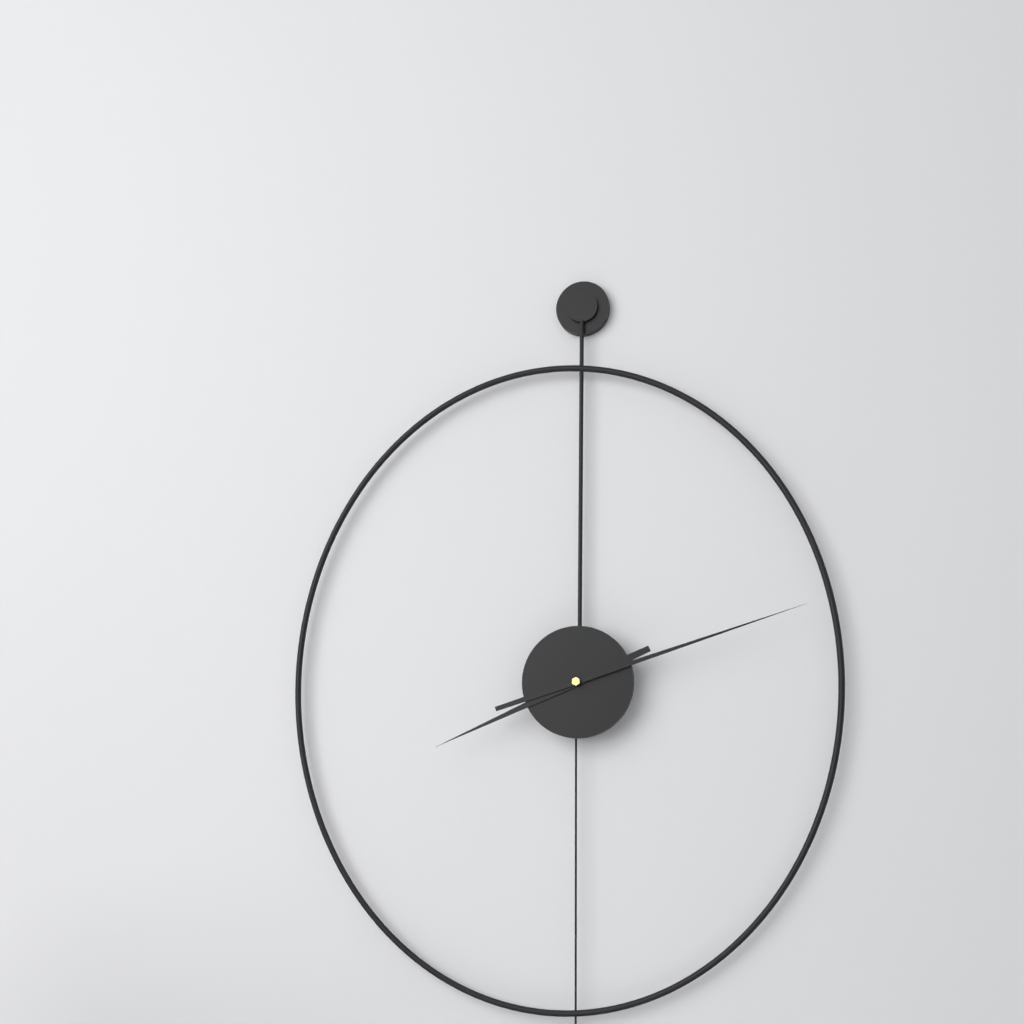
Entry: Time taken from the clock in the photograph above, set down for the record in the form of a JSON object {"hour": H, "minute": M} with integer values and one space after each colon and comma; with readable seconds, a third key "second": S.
{"hour": 8, "minute": 12}
